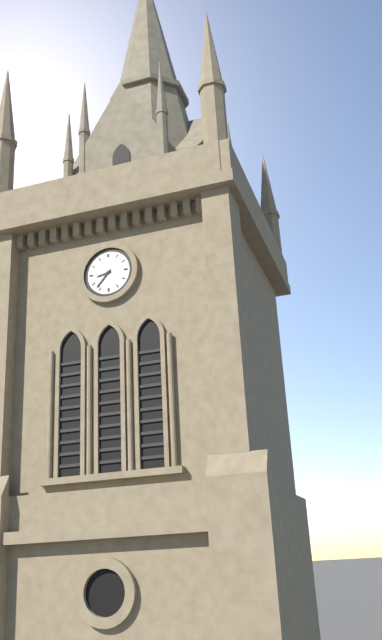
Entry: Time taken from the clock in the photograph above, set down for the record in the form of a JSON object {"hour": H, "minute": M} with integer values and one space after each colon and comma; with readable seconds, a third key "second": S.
{"hour": 8, "minute": 37}
